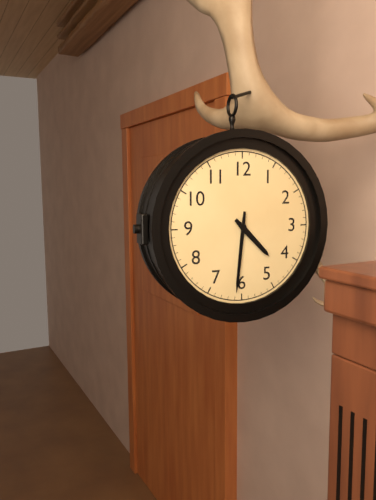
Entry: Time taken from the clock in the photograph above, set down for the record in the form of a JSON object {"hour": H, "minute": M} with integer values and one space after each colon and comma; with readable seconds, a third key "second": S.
{"hour": 4, "minute": 31}
